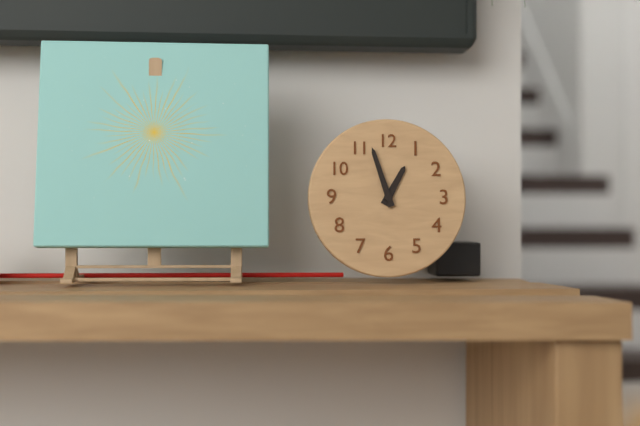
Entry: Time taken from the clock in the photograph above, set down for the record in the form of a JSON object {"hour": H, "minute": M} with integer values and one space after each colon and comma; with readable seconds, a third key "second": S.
{"hour": 12, "minute": 57}
